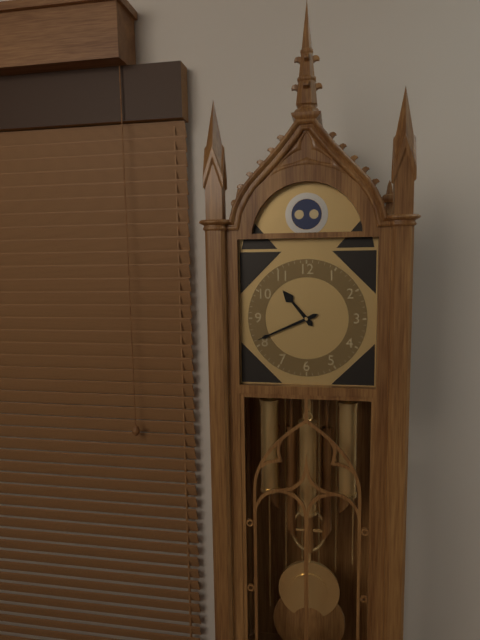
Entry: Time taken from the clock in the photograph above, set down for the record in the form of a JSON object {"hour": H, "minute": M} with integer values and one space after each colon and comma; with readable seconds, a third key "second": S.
{"hour": 10, "minute": 41}
